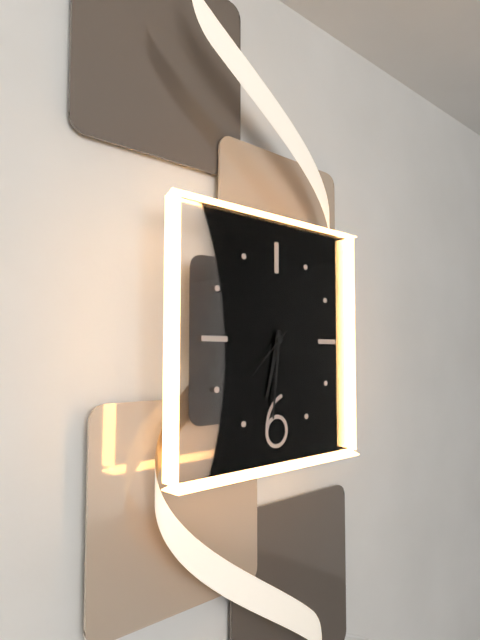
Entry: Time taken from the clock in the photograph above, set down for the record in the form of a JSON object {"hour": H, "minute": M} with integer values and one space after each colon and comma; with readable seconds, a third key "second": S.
{"hour": 6, "minute": 31, "second": 38}
